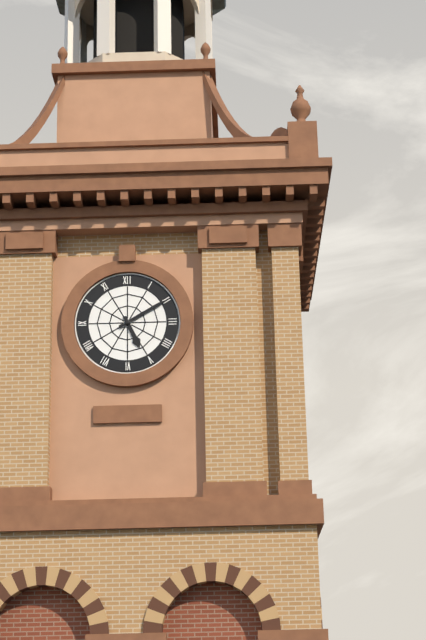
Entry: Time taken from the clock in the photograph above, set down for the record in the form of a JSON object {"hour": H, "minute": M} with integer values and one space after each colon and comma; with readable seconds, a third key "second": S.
{"hour": 5, "minute": 10}
